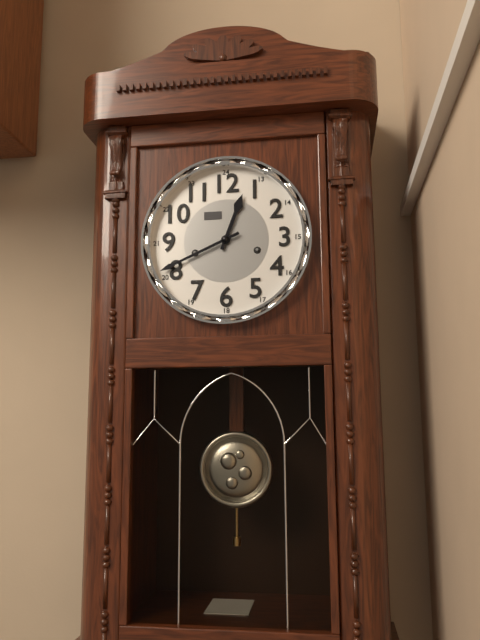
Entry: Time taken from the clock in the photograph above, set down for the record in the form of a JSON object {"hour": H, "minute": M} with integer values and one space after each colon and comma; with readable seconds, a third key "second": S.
{"hour": 12, "minute": 41}
